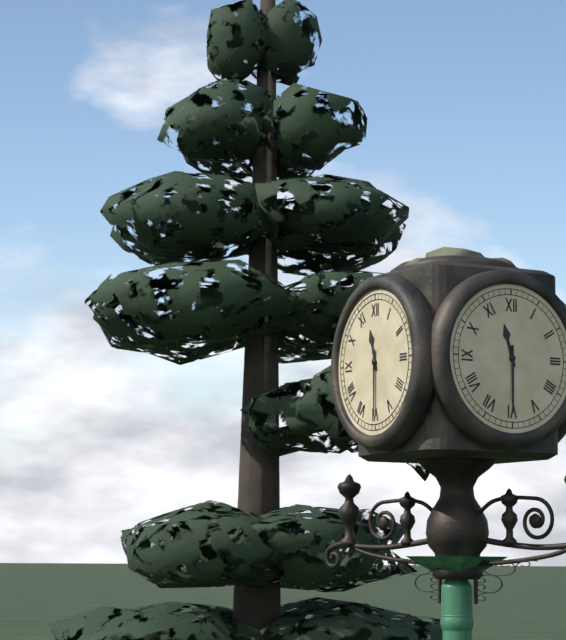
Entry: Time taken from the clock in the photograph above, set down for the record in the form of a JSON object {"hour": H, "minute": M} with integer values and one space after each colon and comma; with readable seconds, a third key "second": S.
{"hour": 11, "minute": 30}
